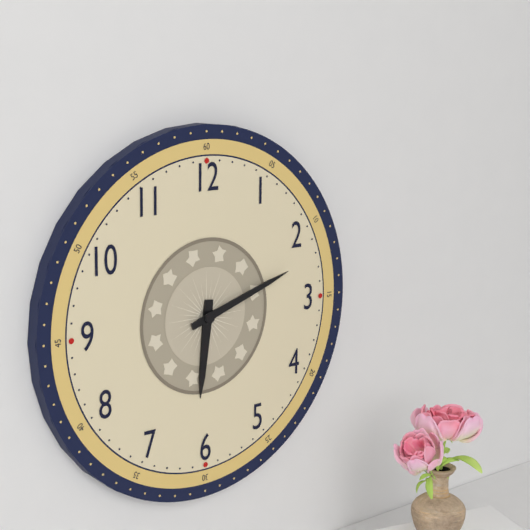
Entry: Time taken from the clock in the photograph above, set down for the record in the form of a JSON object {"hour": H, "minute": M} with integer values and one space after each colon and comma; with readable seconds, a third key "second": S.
{"hour": 6, "minute": 12}
